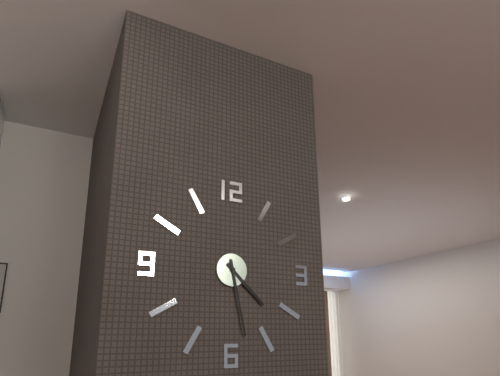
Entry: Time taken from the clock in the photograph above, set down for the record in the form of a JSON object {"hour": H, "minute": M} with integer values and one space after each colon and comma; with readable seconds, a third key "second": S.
{"hour": 4, "minute": 28}
